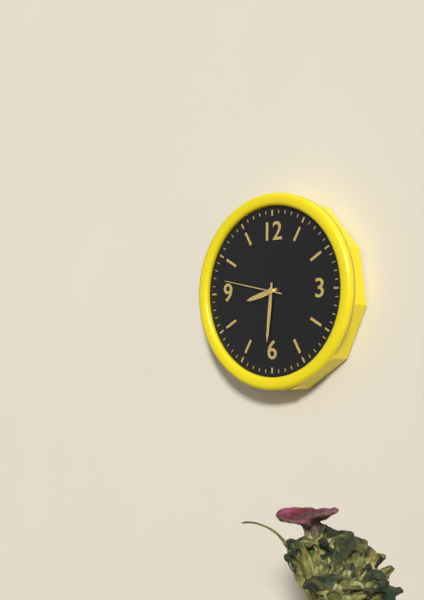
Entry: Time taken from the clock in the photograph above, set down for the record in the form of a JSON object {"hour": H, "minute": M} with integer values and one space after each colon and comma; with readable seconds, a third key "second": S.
{"hour": 8, "minute": 31, "second": 47}
